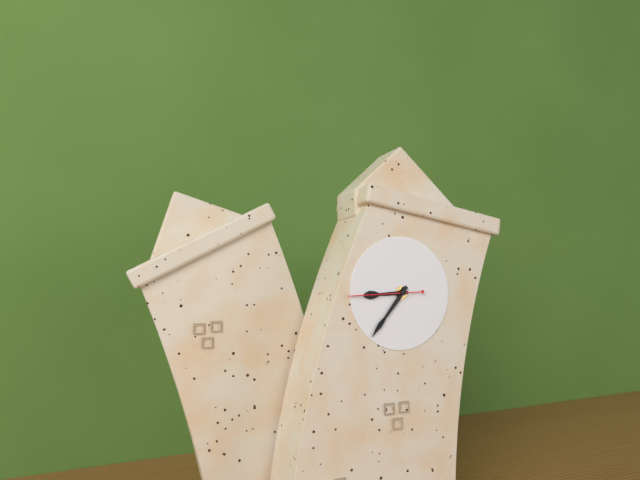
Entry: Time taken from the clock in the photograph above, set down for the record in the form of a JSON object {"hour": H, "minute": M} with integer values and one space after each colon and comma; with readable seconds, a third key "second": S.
{"hour": 8, "minute": 35, "second": 43}
